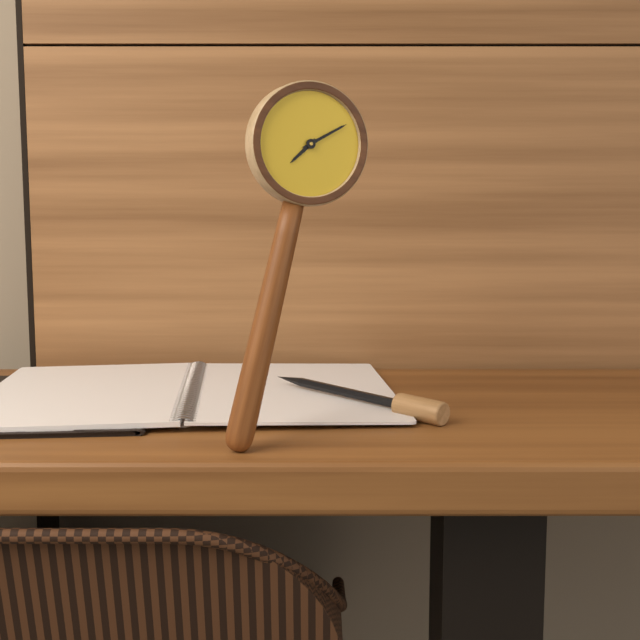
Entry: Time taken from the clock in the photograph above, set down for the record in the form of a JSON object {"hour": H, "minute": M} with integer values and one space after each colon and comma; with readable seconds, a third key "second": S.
{"hour": 7, "minute": 8}
